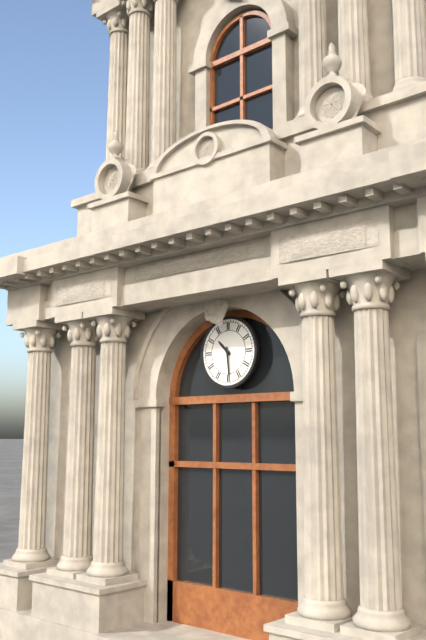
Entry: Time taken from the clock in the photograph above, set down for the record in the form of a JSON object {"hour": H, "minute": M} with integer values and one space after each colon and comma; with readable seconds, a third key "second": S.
{"hour": 10, "minute": 29}
